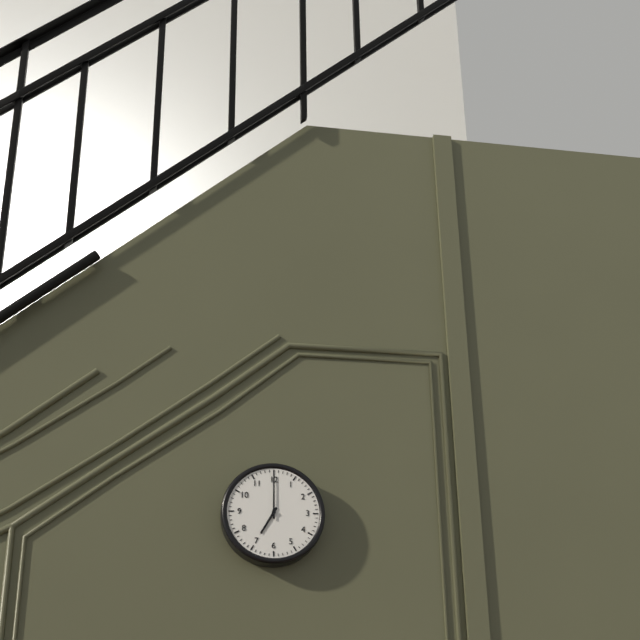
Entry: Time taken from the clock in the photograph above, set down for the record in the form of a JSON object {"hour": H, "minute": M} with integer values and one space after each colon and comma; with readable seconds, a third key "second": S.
{"hour": 7, "minute": 0}
